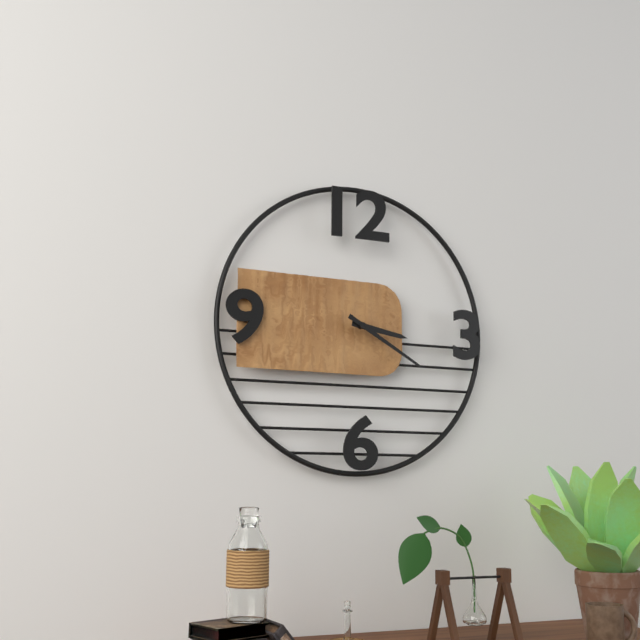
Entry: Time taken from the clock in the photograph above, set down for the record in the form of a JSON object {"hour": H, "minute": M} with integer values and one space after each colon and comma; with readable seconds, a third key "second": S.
{"hour": 3, "minute": 20}
